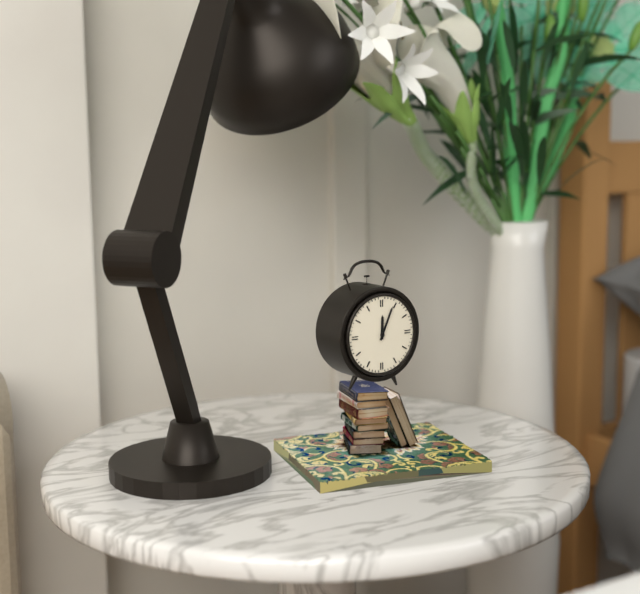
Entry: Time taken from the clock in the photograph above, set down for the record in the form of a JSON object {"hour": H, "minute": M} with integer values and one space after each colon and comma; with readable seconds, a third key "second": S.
{"hour": 12, "minute": 4}
